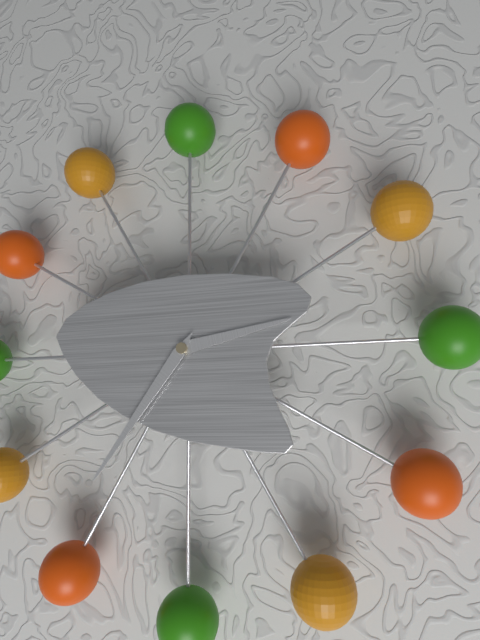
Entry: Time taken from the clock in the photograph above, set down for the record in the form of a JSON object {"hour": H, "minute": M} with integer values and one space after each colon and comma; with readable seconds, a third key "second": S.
{"hour": 2, "minute": 36}
